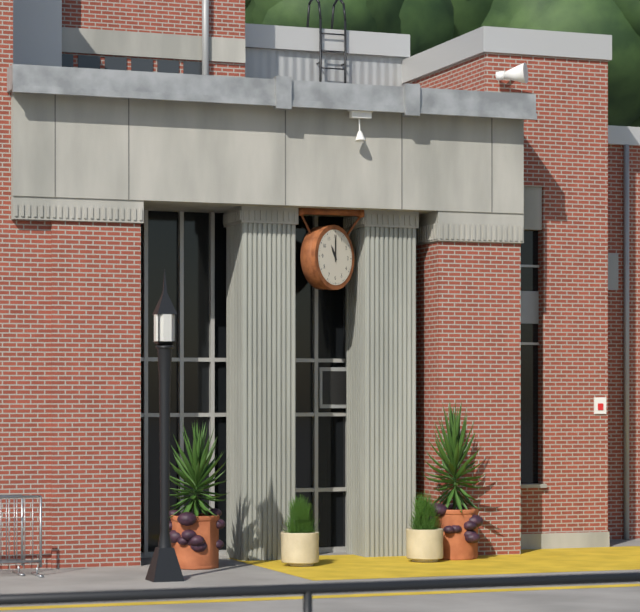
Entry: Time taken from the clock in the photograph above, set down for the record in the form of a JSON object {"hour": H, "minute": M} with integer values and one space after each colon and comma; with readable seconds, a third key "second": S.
{"hour": 11, "minute": 0}
